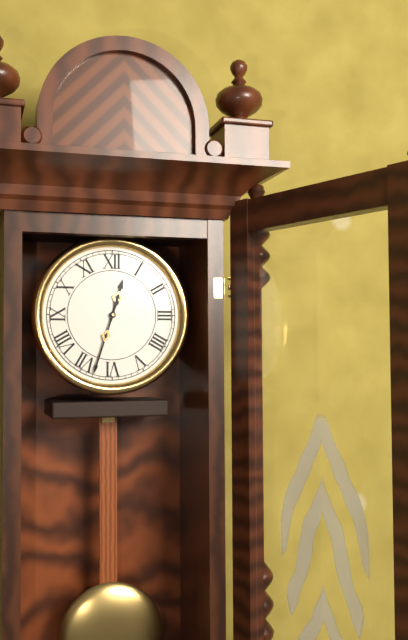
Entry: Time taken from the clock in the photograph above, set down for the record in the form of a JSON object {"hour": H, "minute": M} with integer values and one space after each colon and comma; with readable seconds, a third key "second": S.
{"hour": 12, "minute": 33}
